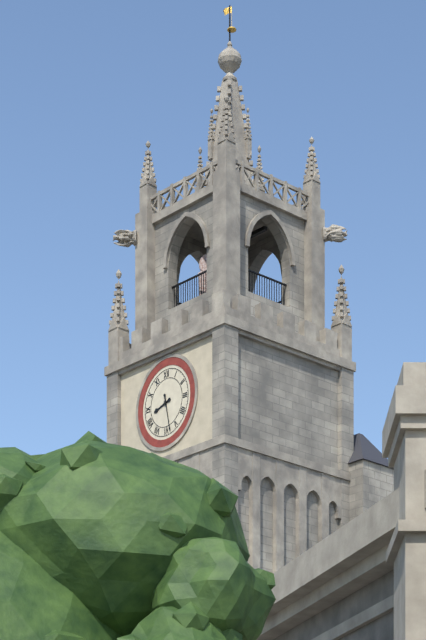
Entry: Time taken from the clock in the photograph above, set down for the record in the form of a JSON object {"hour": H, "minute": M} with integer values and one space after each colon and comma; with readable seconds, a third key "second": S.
{"hour": 8, "minute": 28}
